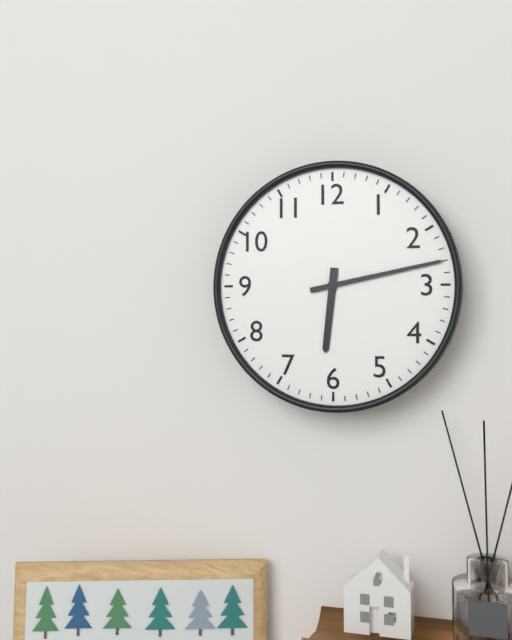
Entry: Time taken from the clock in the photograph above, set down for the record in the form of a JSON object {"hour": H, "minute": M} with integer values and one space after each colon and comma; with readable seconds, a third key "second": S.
{"hour": 6, "minute": 13}
